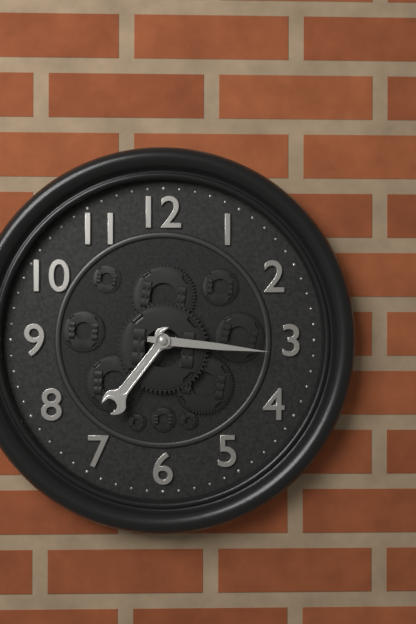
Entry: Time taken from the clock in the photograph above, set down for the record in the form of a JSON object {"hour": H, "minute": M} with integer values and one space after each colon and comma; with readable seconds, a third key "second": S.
{"hour": 7, "minute": 16}
